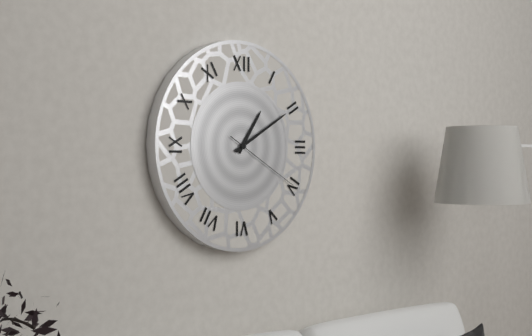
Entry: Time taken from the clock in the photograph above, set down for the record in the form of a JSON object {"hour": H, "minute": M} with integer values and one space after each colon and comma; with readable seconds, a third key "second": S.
{"hour": 1, "minute": 10, "second": 20}
